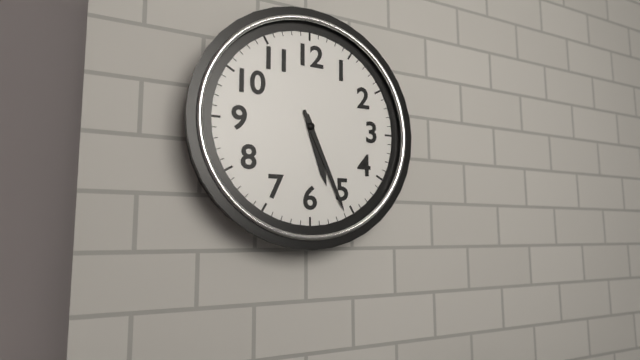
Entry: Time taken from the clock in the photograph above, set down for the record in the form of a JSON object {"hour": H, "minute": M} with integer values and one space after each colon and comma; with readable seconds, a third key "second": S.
{"hour": 5, "minute": 26}
